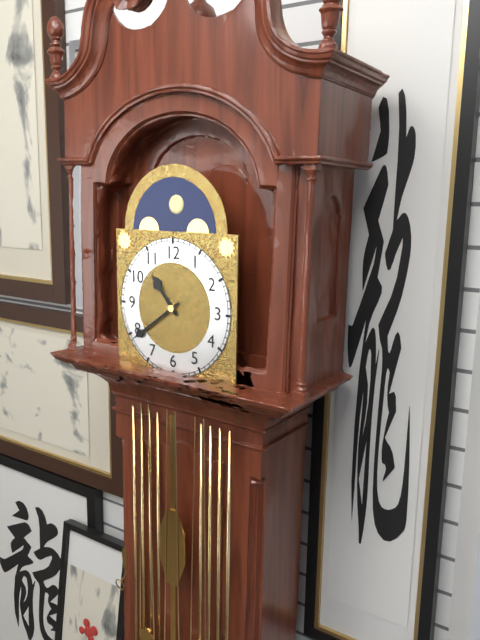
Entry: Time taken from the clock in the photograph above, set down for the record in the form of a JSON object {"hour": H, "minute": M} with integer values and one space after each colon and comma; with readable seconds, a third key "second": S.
{"hour": 10, "minute": 39}
